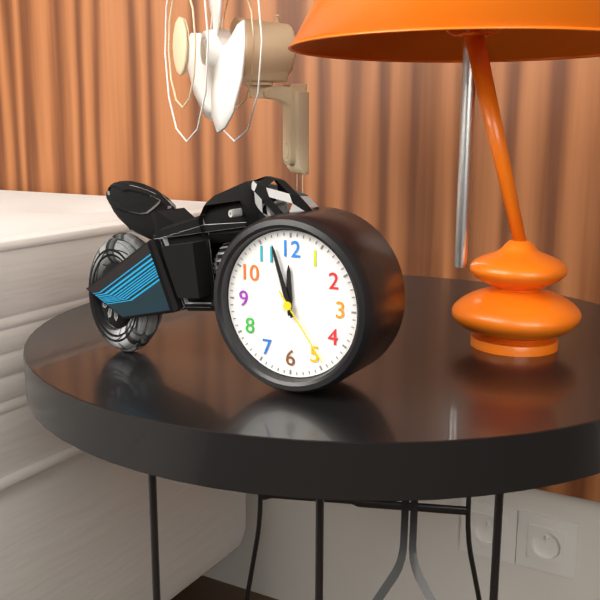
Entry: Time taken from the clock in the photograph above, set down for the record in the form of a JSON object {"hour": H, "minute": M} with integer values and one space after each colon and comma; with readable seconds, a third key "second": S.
{"hour": 11, "minute": 57, "second": 24}
